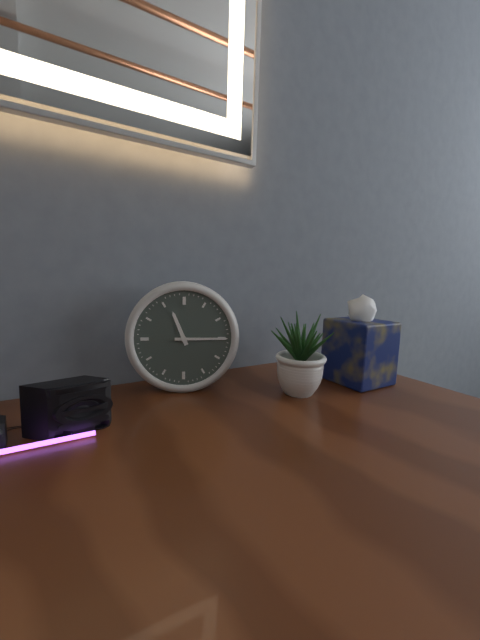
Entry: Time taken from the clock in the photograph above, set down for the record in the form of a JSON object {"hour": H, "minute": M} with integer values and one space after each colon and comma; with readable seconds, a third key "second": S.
{"hour": 11, "minute": 15}
